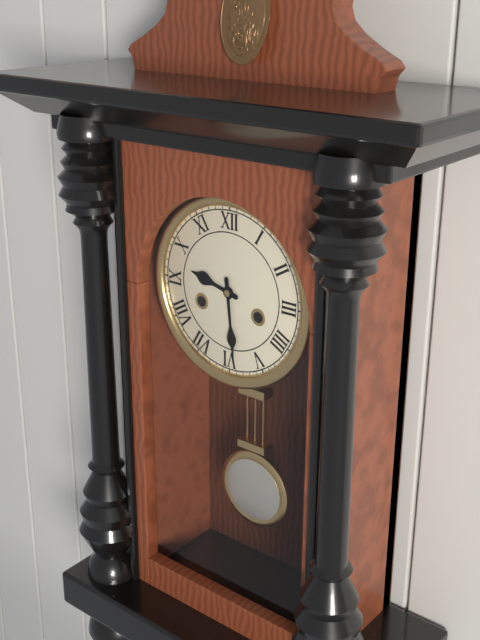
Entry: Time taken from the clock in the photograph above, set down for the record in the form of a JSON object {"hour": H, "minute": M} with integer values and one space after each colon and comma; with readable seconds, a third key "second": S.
{"hour": 9, "minute": 29}
